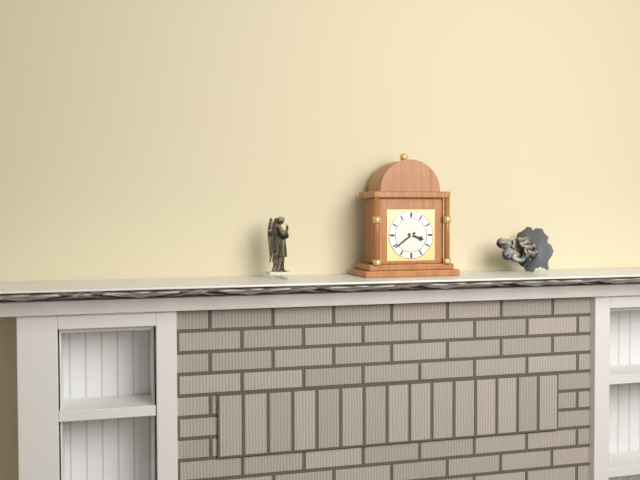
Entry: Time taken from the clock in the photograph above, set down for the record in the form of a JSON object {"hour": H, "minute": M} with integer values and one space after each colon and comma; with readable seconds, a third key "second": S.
{"hour": 3, "minute": 39}
